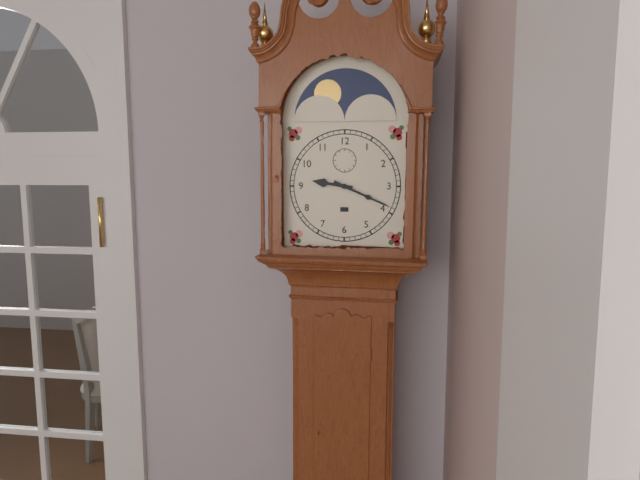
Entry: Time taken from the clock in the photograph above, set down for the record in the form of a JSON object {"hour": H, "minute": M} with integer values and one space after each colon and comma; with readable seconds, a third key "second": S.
{"hour": 9, "minute": 19}
